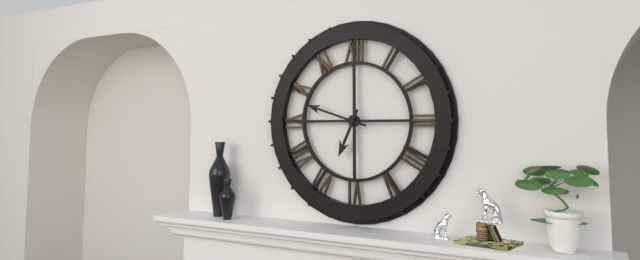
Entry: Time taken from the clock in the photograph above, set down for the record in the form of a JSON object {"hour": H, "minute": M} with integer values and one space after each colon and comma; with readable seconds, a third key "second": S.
{"hour": 6, "minute": 48}
